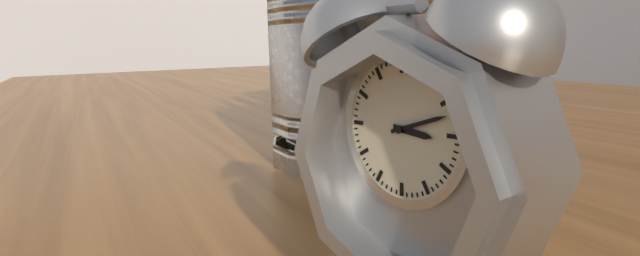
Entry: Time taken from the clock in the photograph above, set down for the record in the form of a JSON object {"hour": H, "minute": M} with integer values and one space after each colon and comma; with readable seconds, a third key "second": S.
{"hour": 3, "minute": 12}
